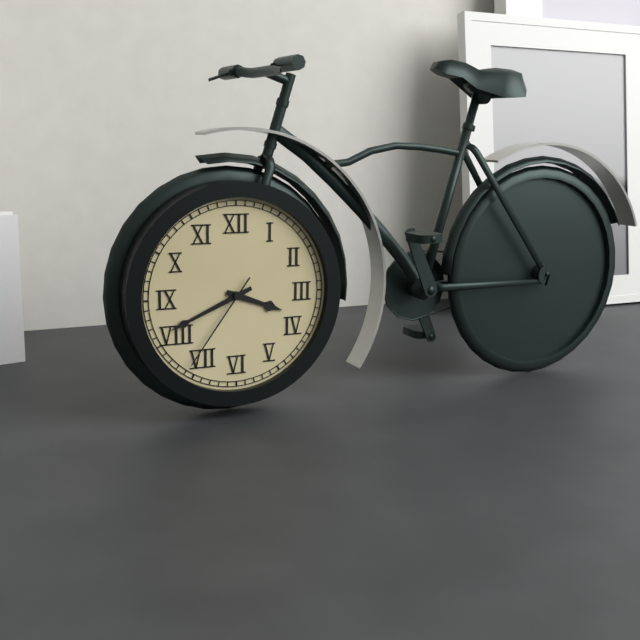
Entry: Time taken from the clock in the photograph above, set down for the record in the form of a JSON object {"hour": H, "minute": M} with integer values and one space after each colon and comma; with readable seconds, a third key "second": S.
{"hour": 3, "minute": 41, "second": 36}
